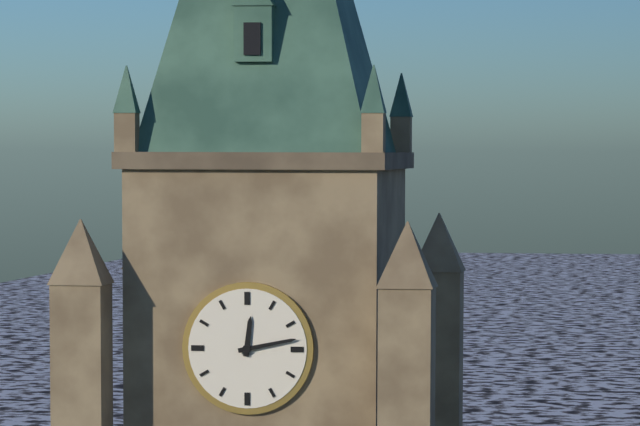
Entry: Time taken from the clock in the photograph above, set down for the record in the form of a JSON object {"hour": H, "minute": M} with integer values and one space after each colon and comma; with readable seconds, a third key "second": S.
{"hour": 12, "minute": 13}
